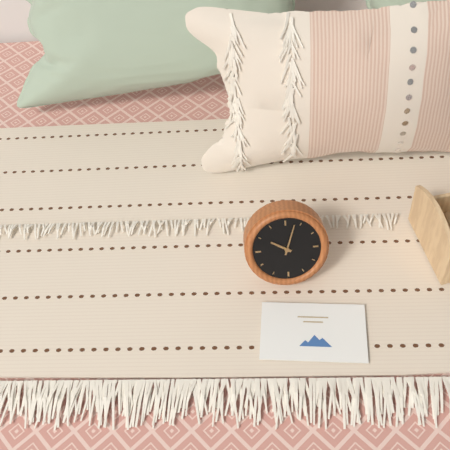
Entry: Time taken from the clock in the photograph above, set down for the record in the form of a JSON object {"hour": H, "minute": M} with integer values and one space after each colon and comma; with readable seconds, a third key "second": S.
{"hour": 10, "minute": 3}
